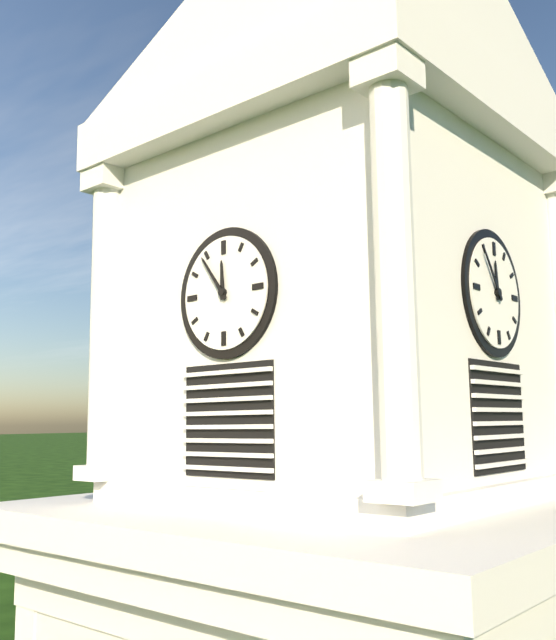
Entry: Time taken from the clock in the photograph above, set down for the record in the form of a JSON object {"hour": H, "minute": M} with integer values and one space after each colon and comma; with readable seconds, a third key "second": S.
{"hour": 11, "minute": 54}
